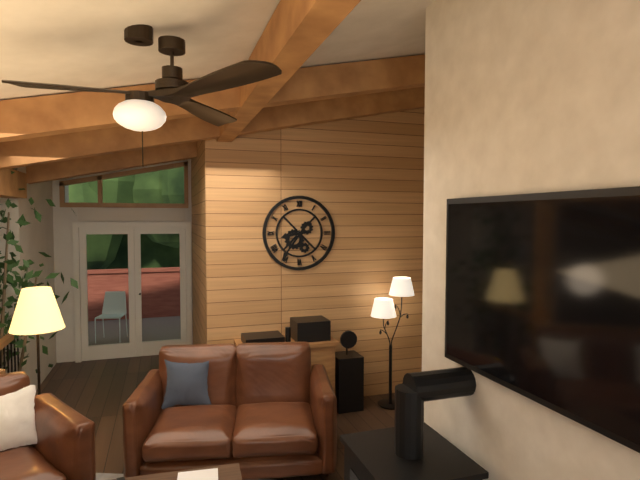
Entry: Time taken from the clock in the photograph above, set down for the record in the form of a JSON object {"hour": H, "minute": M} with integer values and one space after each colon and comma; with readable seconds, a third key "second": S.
{"hour": 8, "minute": 36}
